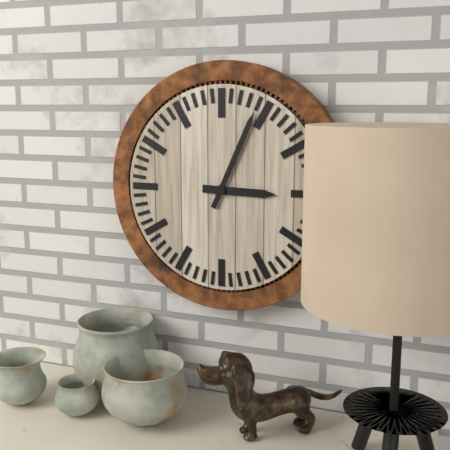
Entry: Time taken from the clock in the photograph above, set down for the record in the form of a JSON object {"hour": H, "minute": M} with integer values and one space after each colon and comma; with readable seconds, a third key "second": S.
{"hour": 3, "minute": 4}
